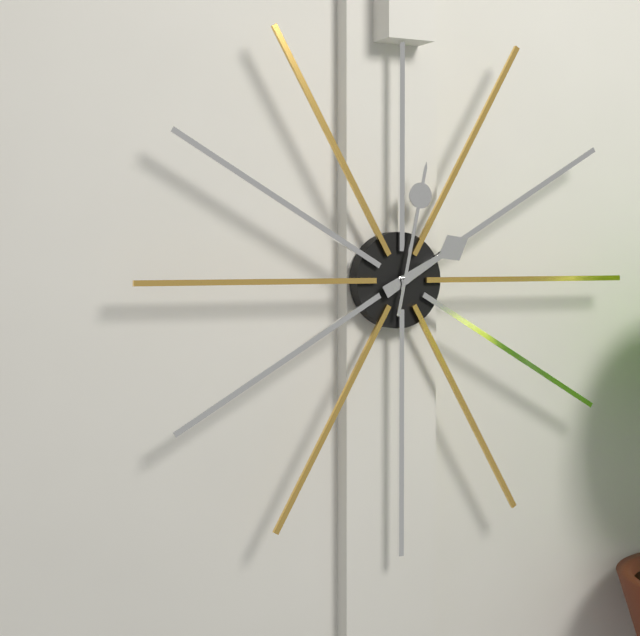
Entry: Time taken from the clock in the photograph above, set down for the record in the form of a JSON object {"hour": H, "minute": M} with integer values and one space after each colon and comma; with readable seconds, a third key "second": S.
{"hour": 2, "minute": 2}
